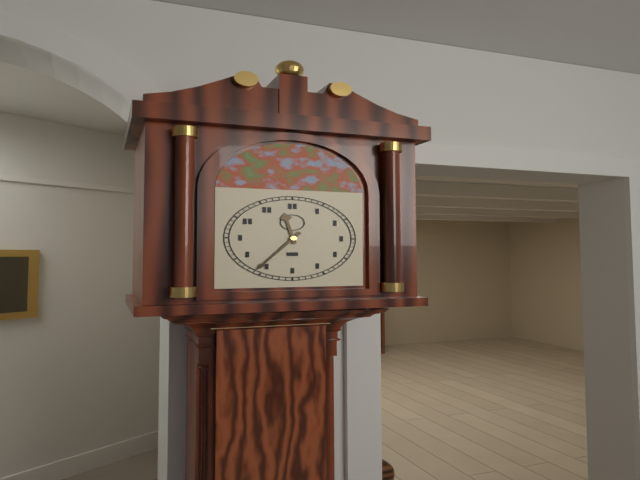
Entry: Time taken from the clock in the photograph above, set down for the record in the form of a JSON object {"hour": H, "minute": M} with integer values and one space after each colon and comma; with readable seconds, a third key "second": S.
{"hour": 11, "minute": 36}
